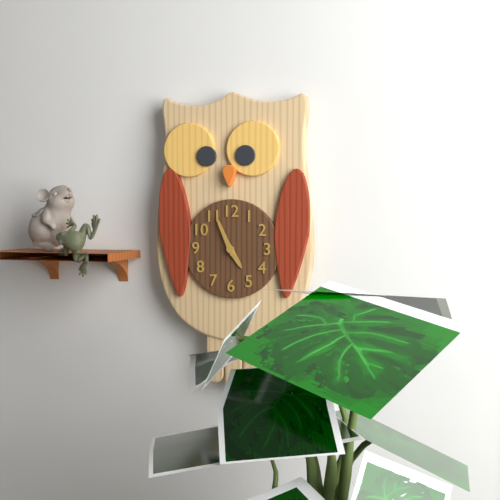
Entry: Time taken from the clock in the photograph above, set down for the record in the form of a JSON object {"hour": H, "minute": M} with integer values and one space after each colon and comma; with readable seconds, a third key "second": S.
{"hour": 4, "minute": 56}
